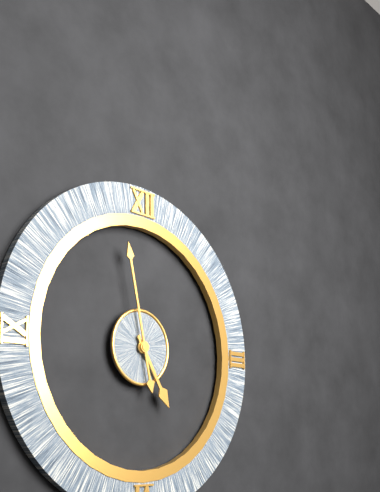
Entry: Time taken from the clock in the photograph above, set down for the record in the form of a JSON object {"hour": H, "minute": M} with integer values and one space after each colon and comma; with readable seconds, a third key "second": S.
{"hour": 4, "minute": 58}
